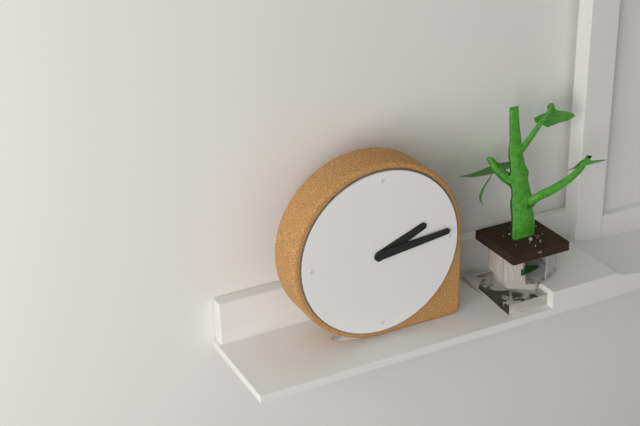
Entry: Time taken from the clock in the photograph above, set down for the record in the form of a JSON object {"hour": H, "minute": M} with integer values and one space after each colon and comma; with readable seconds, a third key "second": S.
{"hour": 2, "minute": 14}
